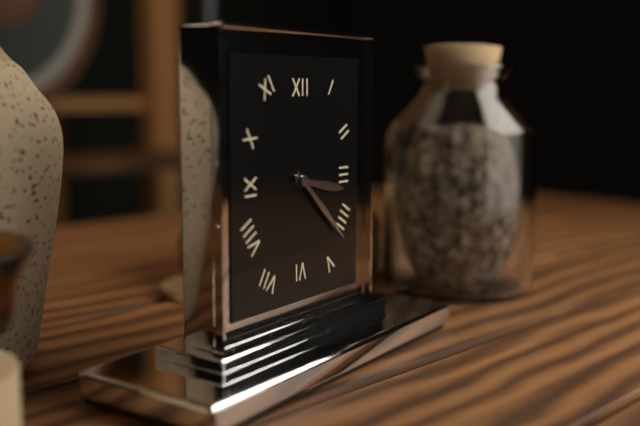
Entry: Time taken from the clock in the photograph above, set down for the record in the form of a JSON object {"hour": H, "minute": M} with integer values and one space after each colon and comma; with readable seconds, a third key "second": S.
{"hour": 3, "minute": 22}
